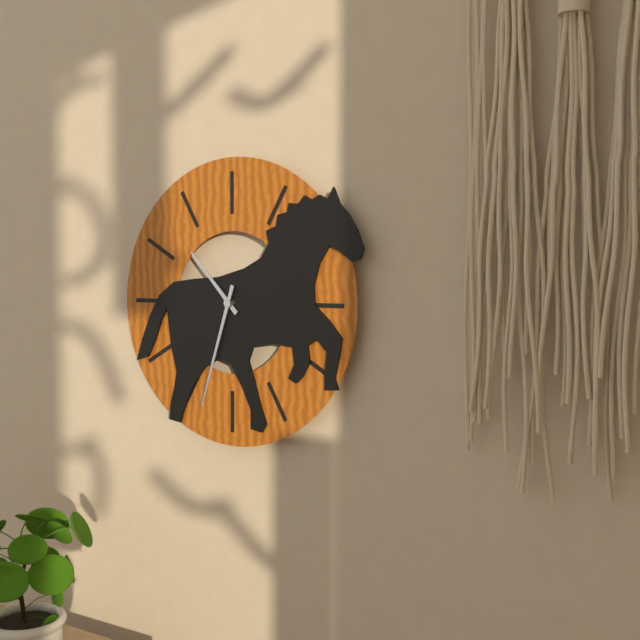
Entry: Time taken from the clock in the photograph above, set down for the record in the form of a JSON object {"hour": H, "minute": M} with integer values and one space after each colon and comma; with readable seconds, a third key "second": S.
{"hour": 10, "minute": 33}
